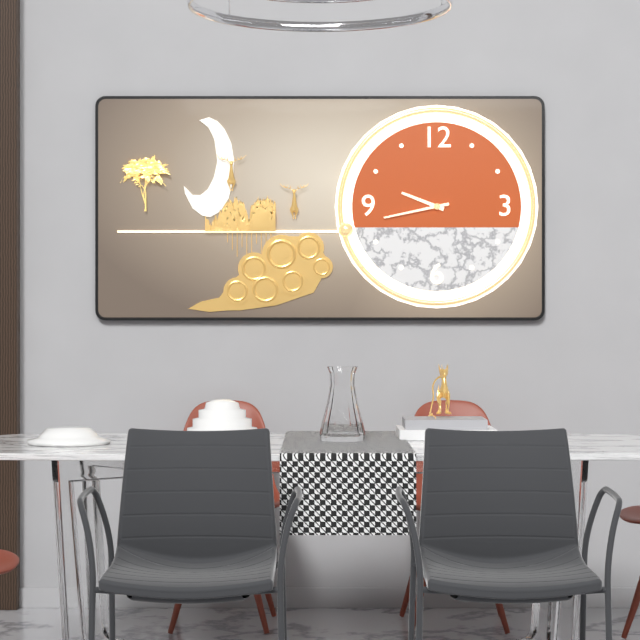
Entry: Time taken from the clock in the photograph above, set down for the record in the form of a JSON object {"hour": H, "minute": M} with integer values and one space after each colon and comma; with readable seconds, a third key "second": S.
{"hour": 9, "minute": 43}
